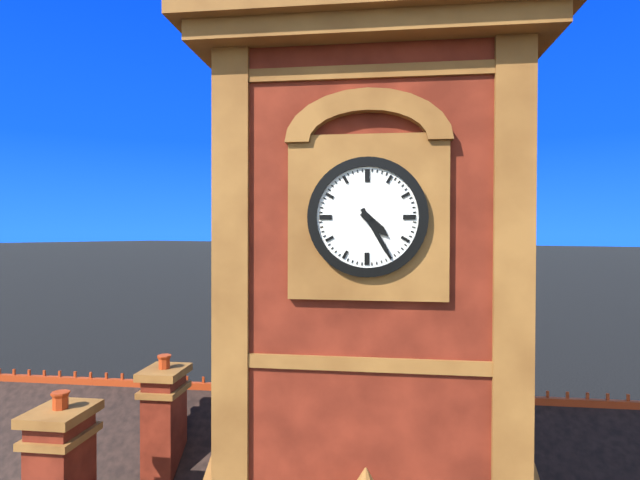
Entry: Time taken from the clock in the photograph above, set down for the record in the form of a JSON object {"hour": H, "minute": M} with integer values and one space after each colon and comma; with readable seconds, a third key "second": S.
{"hour": 4, "minute": 25}
